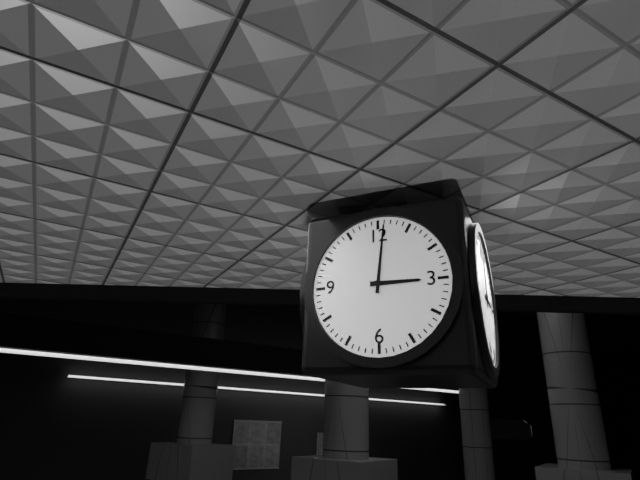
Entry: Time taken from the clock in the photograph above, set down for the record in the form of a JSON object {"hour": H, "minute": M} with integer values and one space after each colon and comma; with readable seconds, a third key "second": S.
{"hour": 3, "minute": 1}
